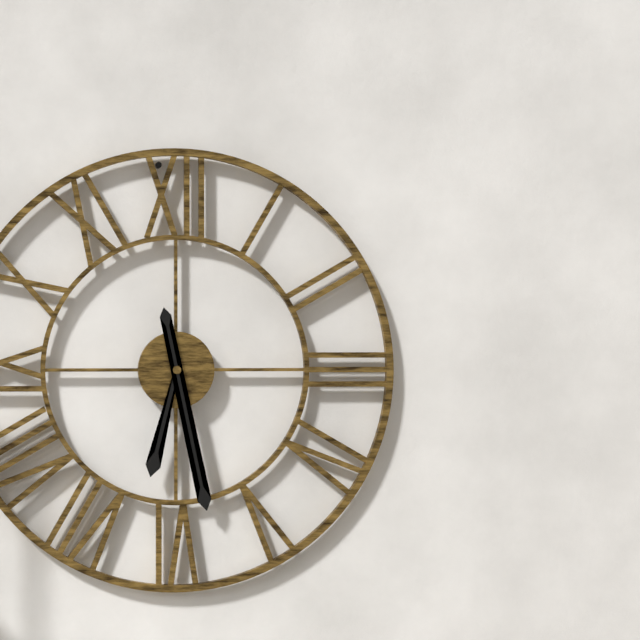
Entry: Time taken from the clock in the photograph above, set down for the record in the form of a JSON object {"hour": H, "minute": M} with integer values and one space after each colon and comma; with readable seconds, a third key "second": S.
{"hour": 6, "minute": 28}
